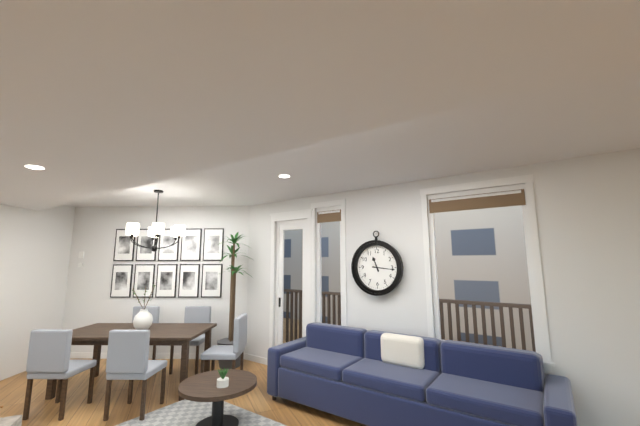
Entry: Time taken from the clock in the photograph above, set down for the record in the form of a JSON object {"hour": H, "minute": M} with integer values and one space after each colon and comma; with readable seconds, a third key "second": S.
{"hour": 11, "minute": 16}
